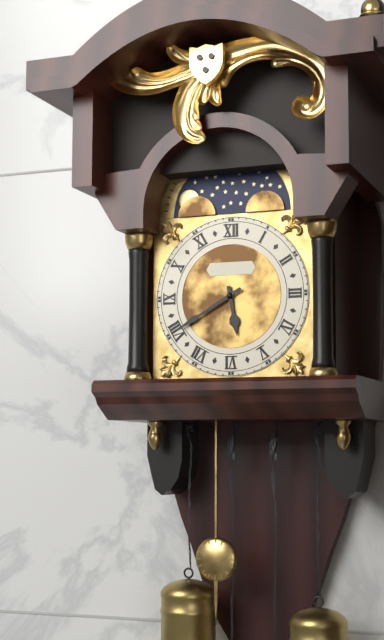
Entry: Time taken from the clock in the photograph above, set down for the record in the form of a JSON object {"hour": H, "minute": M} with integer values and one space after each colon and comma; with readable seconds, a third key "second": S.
{"hour": 5, "minute": 40}
